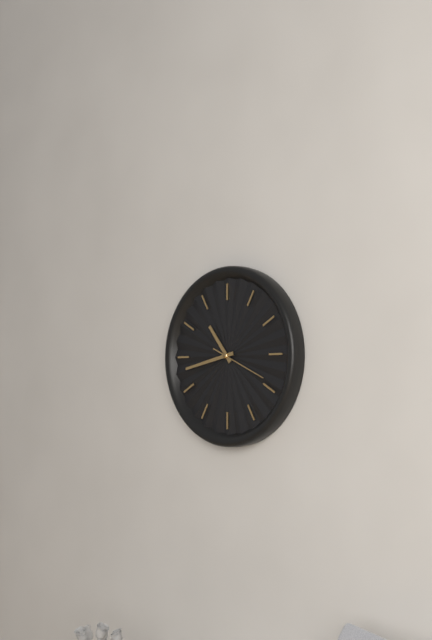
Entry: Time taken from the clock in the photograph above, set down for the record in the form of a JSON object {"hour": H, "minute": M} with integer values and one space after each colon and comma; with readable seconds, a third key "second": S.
{"hour": 10, "minute": 43, "second": 19}
